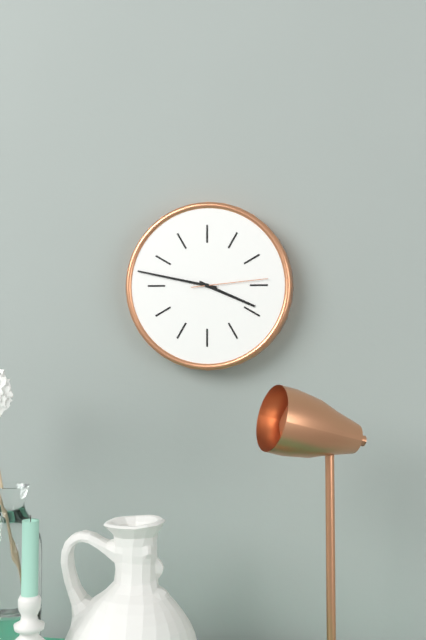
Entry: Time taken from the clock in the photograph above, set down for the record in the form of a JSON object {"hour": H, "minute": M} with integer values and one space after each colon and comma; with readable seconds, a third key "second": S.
{"hour": 3, "minute": 47, "second": 14}
